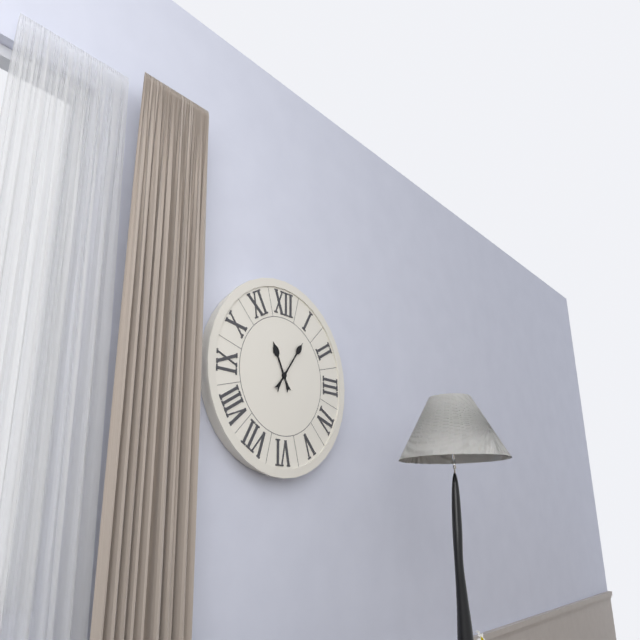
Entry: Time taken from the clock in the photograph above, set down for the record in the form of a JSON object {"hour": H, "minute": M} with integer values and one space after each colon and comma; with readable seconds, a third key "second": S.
{"hour": 11, "minute": 6}
